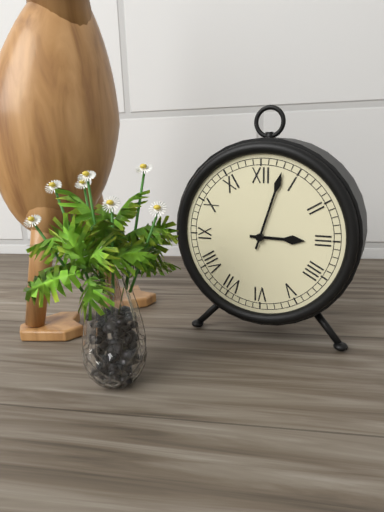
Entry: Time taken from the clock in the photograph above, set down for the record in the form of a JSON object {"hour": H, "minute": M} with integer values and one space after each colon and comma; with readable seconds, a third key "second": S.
{"hour": 3, "minute": 3}
